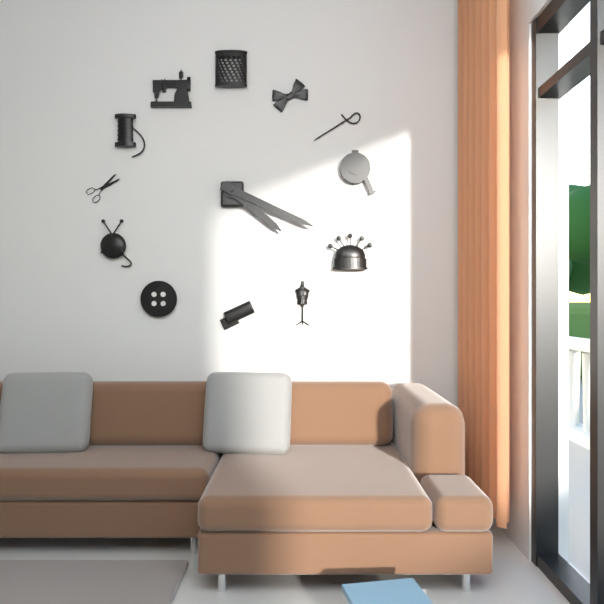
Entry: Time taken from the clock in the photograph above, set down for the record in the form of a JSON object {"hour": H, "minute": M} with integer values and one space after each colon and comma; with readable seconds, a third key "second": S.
{"hour": 4, "minute": 19}
